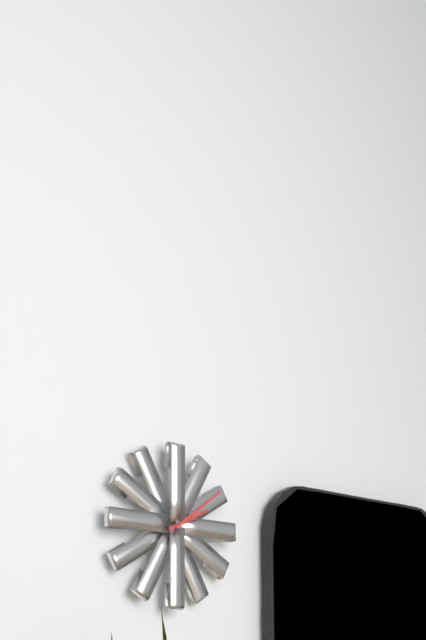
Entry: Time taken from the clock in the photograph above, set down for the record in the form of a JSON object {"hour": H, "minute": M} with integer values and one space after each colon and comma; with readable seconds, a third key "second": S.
{"hour": 2, "minute": 9}
